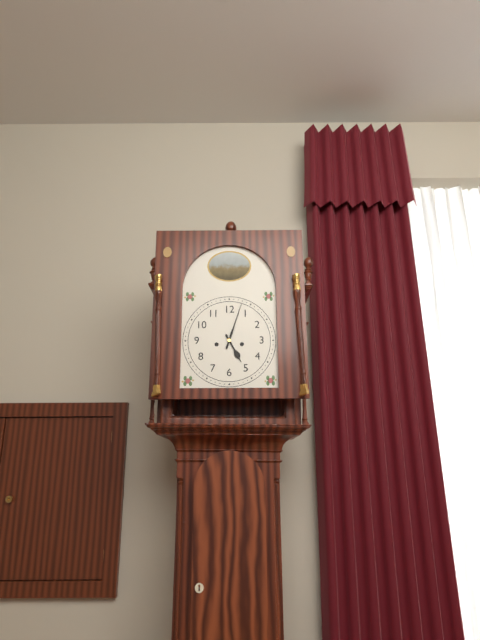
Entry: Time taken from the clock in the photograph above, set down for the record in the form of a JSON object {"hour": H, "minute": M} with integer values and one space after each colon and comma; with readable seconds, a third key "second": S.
{"hour": 5, "minute": 3}
